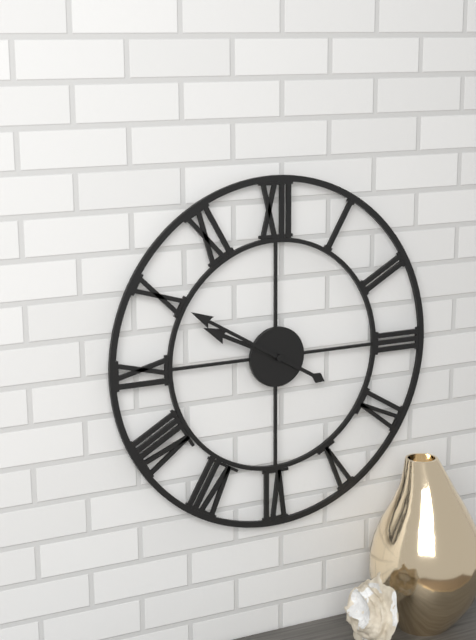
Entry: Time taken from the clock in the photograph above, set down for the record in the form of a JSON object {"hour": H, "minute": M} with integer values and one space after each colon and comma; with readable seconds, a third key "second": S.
{"hour": 9, "minute": 50}
